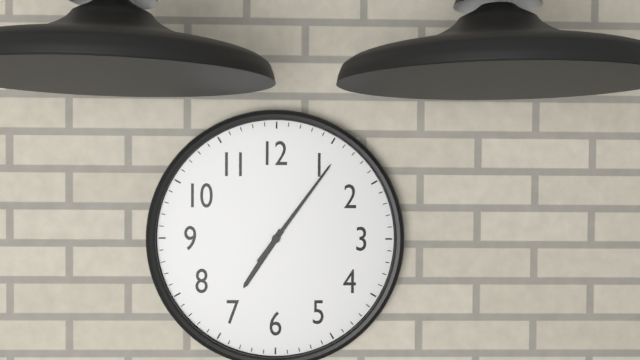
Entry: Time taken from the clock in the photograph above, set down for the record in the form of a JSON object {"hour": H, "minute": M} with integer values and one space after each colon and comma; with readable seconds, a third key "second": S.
{"hour": 7, "minute": 6}
